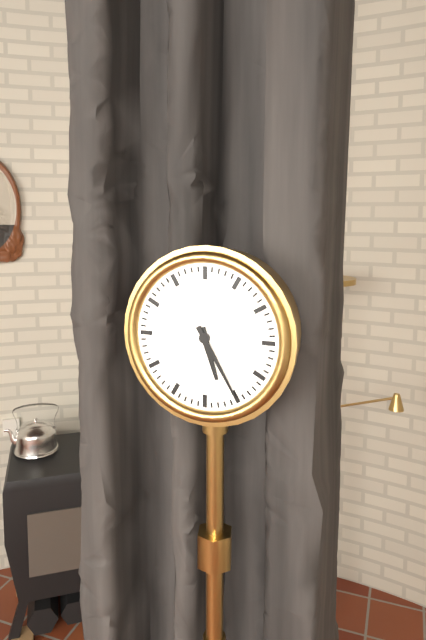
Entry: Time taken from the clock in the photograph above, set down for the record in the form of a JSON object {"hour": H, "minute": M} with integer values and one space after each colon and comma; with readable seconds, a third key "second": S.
{"hour": 5, "minute": 25}
